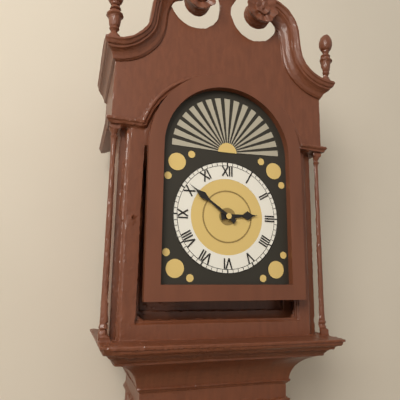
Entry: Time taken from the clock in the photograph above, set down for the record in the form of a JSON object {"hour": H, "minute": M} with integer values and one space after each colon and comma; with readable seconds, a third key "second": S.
{"hour": 2, "minute": 51}
